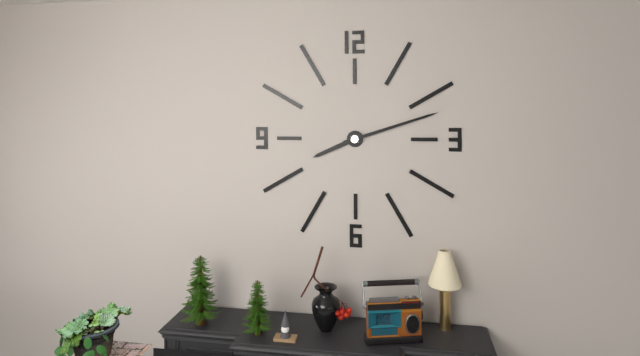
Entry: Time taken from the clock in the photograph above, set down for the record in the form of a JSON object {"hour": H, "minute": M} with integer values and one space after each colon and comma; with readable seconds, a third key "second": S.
{"hour": 8, "minute": 12}
